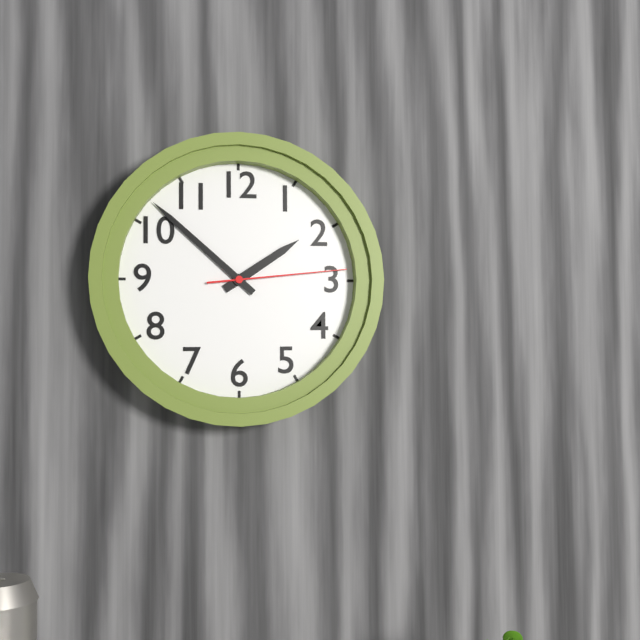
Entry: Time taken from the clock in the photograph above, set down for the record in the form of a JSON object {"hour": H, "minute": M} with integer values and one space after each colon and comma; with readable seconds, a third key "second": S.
{"hour": 1, "minute": 52, "second": 14}
